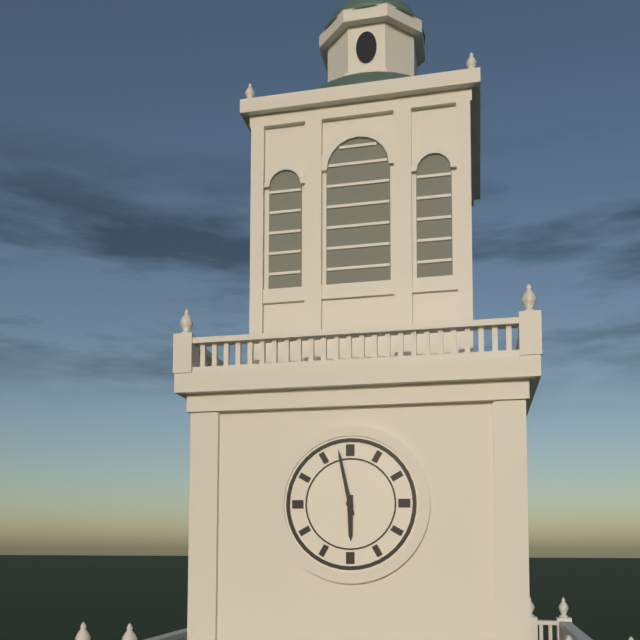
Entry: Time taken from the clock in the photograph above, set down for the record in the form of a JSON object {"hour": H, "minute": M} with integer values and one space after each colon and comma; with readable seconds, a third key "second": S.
{"hour": 5, "minute": 58}
